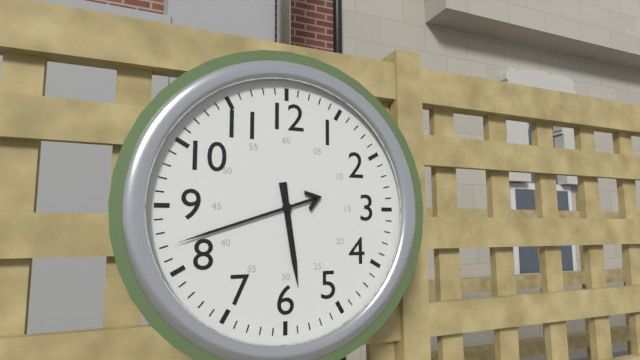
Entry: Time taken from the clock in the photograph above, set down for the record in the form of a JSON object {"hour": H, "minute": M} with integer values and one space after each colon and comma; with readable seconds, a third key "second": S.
{"hour": 5, "minute": 42}
